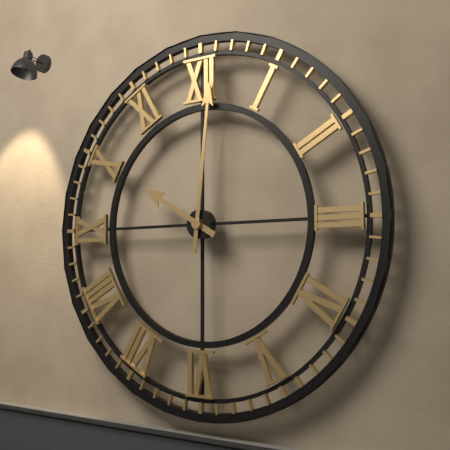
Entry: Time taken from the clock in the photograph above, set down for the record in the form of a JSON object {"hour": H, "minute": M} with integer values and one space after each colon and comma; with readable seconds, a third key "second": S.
{"hour": 10, "minute": 1}
